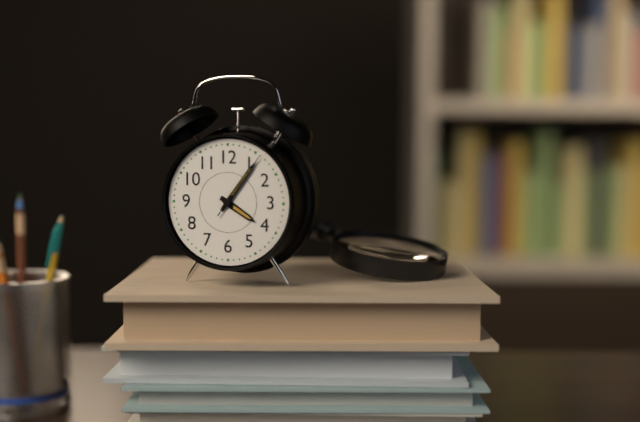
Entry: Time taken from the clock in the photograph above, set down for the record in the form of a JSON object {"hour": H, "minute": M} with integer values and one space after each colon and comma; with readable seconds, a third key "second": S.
{"hour": 4, "minute": 6, "second": 6}
